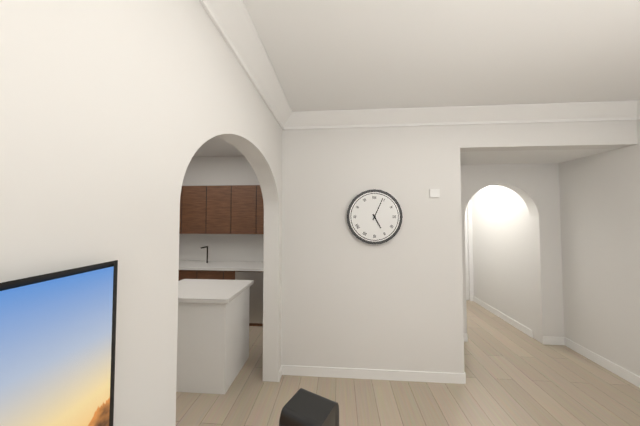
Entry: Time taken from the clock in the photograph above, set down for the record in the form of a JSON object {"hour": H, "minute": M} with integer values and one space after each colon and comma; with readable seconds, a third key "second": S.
{"hour": 5, "minute": 4}
